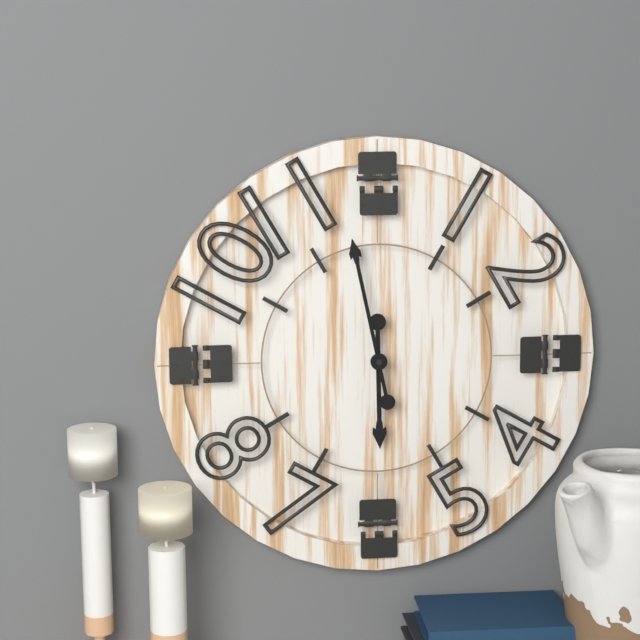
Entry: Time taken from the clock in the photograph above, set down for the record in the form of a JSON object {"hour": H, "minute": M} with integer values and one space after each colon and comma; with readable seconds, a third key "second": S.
{"hour": 5, "minute": 58}
